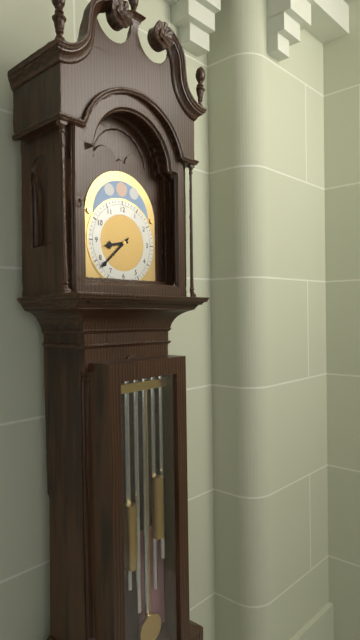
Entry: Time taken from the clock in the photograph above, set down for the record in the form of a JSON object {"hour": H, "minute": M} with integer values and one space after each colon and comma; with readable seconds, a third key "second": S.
{"hour": 8, "minute": 38}
